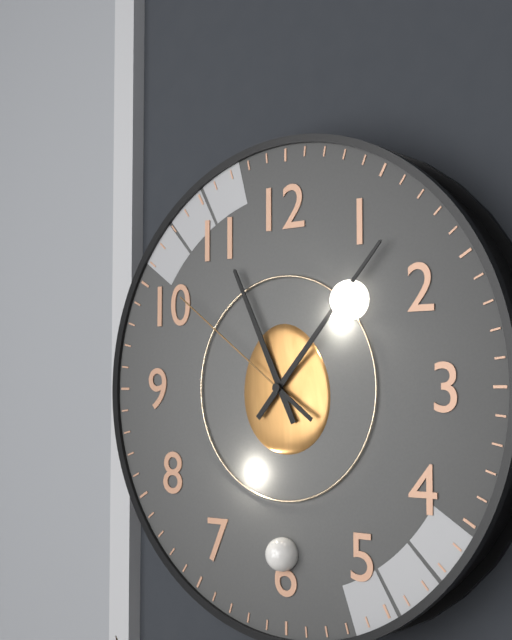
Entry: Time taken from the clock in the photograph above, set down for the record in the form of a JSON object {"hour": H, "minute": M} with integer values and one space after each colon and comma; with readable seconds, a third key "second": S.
{"hour": 11, "minute": 7, "second": 51}
